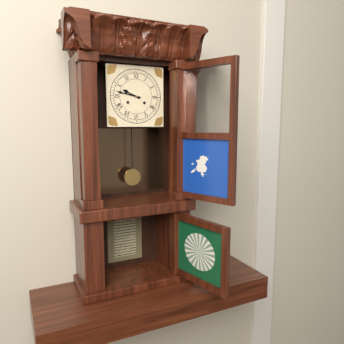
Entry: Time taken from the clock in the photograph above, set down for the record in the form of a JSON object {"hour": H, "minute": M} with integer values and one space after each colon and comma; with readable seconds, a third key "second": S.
{"hour": 9, "minute": 47}
